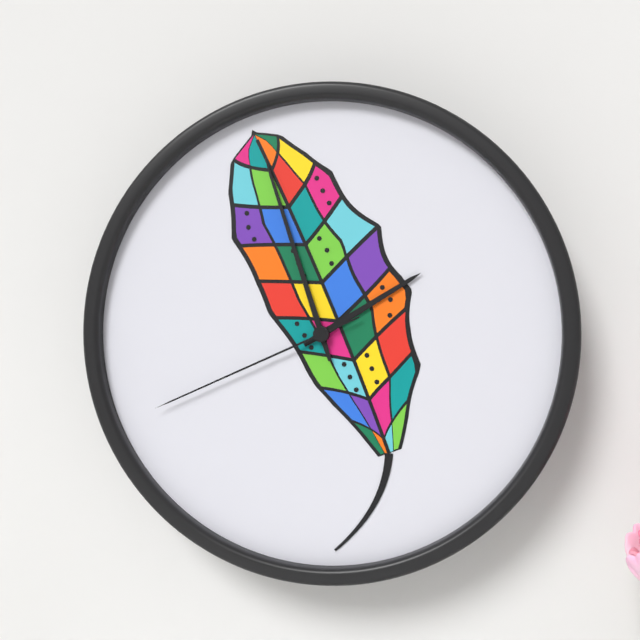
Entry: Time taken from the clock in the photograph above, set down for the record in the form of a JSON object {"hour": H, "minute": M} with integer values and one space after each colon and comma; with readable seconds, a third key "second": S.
{"hour": 1, "minute": 57, "second": 41}
